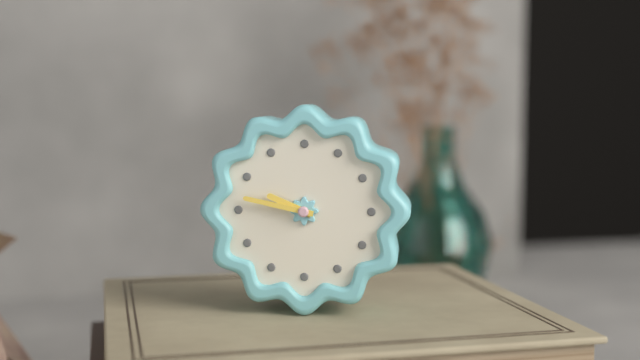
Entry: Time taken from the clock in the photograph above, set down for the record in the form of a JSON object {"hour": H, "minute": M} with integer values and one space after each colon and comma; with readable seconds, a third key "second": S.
{"hour": 9, "minute": 47}
